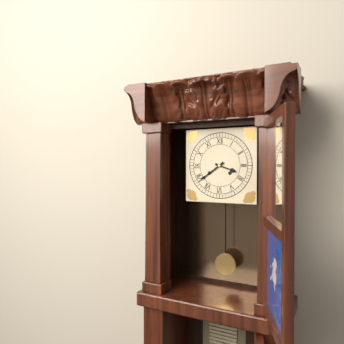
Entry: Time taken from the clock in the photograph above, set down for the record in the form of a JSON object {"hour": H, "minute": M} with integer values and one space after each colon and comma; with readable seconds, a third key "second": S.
{"hour": 3, "minute": 39}
